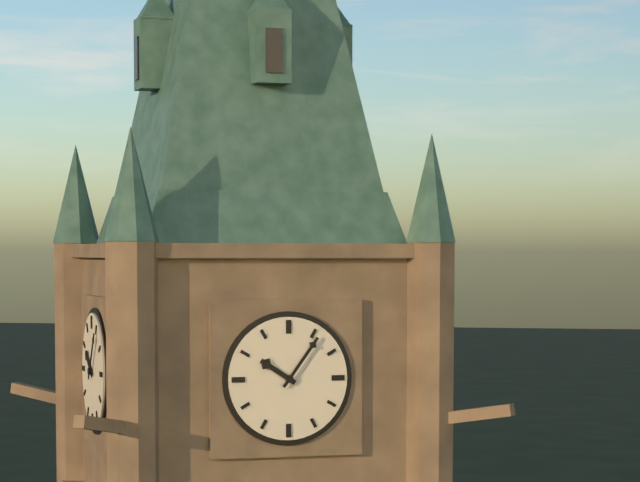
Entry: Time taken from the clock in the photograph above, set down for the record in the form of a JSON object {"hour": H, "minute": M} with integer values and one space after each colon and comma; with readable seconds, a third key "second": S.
{"hour": 10, "minute": 6}
